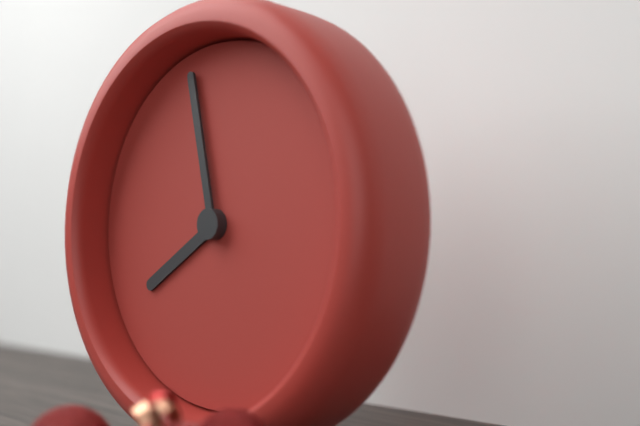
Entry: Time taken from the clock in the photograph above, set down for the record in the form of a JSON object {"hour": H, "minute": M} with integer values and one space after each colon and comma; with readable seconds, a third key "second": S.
{"hour": 7, "minute": 58}
